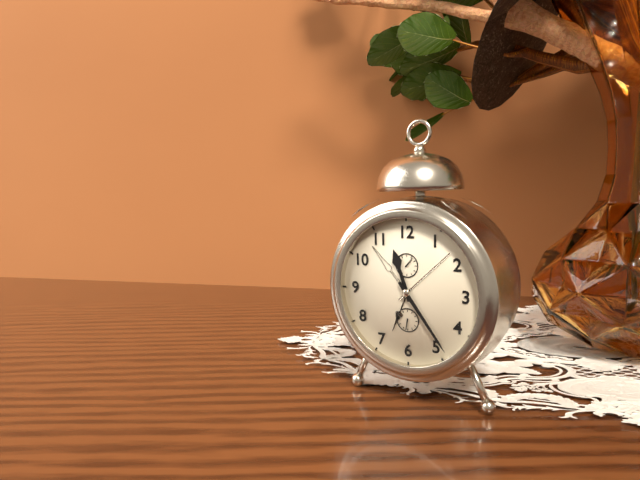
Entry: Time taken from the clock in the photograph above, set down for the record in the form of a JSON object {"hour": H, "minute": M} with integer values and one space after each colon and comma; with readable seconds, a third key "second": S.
{"hour": 11, "minute": 24}
